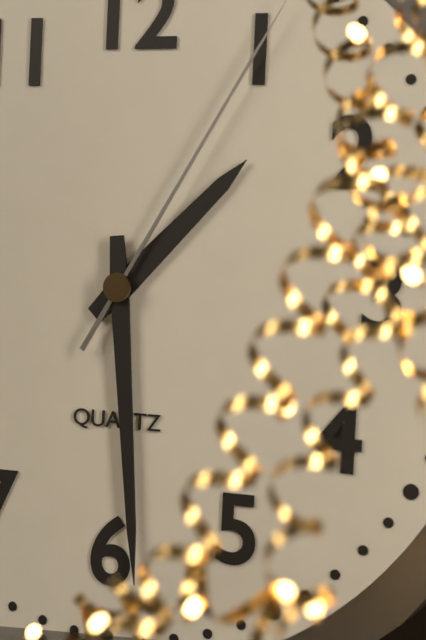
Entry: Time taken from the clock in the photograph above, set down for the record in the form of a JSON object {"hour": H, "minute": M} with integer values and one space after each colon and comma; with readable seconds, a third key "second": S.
{"hour": 1, "minute": 29, "second": 5}
